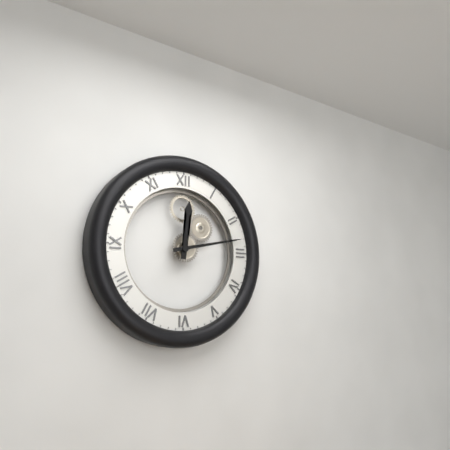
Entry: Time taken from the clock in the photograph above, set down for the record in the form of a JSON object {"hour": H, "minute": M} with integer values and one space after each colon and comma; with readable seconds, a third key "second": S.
{"hour": 12, "minute": 13}
